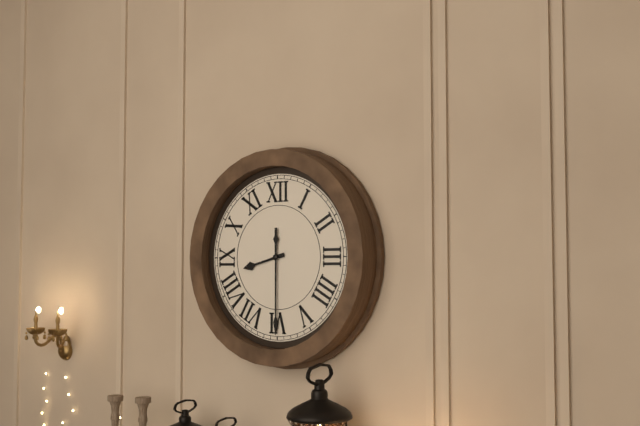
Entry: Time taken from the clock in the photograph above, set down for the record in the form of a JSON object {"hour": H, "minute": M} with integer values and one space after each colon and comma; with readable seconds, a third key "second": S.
{"hour": 8, "minute": 30}
